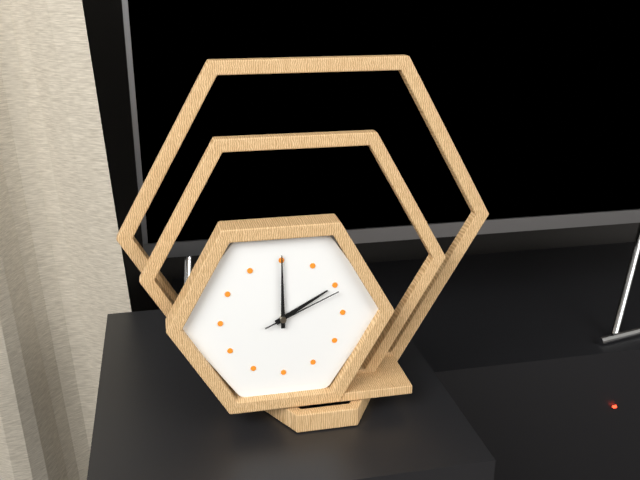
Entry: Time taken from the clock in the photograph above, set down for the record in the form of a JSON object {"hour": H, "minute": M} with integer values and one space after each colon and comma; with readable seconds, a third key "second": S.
{"hour": 2, "minute": 0, "second": 11}
